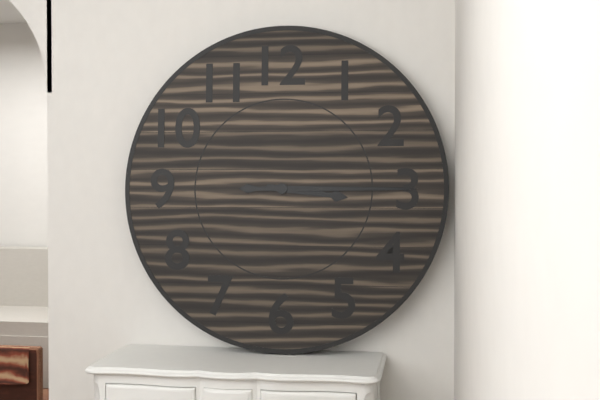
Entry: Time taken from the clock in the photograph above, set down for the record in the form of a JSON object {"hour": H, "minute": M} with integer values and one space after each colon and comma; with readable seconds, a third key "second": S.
{"hour": 3, "minute": 15}
